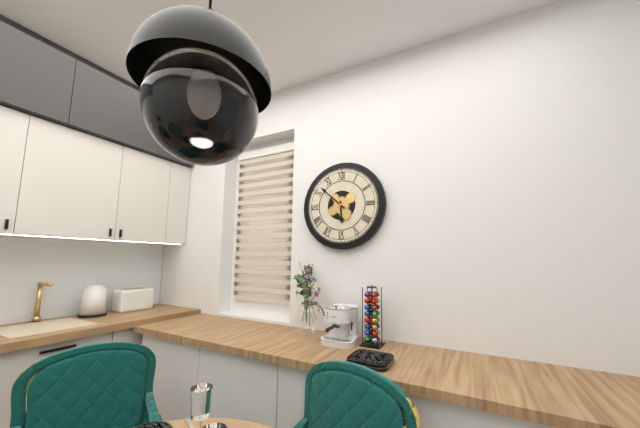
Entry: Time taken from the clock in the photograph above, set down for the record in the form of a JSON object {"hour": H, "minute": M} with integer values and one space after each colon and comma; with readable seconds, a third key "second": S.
{"hour": 5, "minute": 52}
